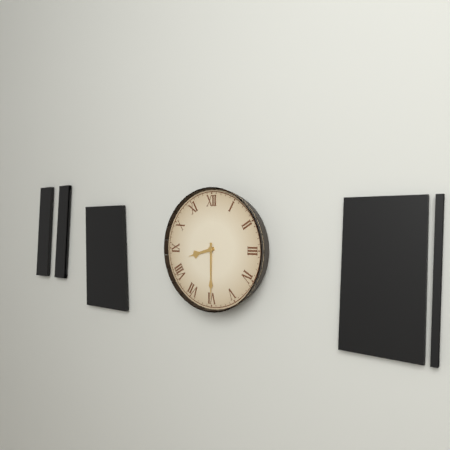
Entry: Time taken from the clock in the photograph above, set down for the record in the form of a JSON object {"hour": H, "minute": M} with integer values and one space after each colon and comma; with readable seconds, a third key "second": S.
{"hour": 8, "minute": 30}
